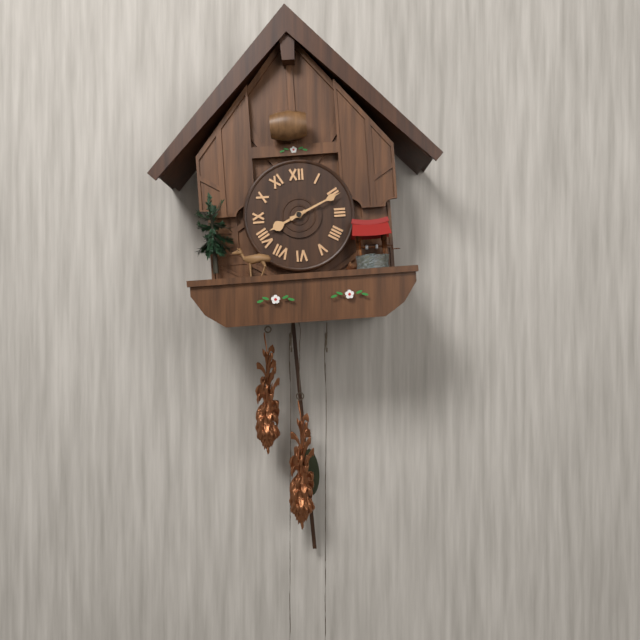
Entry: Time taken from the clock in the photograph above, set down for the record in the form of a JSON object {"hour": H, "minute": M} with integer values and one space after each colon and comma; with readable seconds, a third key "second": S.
{"hour": 8, "minute": 11}
